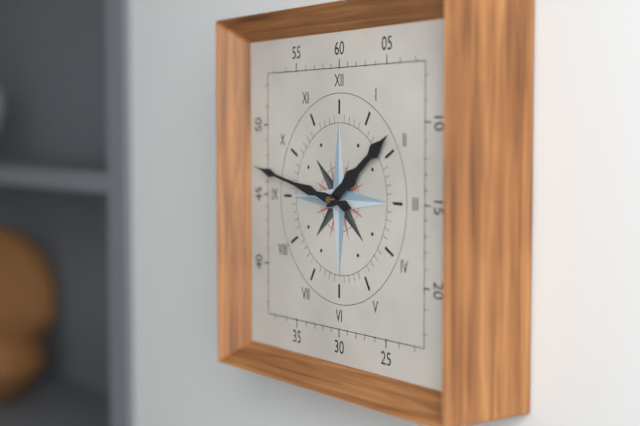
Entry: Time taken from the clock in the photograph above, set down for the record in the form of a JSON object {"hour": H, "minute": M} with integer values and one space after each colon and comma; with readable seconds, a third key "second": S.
{"hour": 1, "minute": 47}
